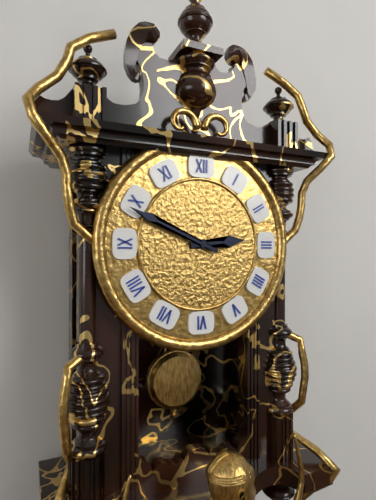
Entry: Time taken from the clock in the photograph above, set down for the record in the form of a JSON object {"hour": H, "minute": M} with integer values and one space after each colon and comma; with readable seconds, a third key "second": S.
{"hour": 2, "minute": 49}
